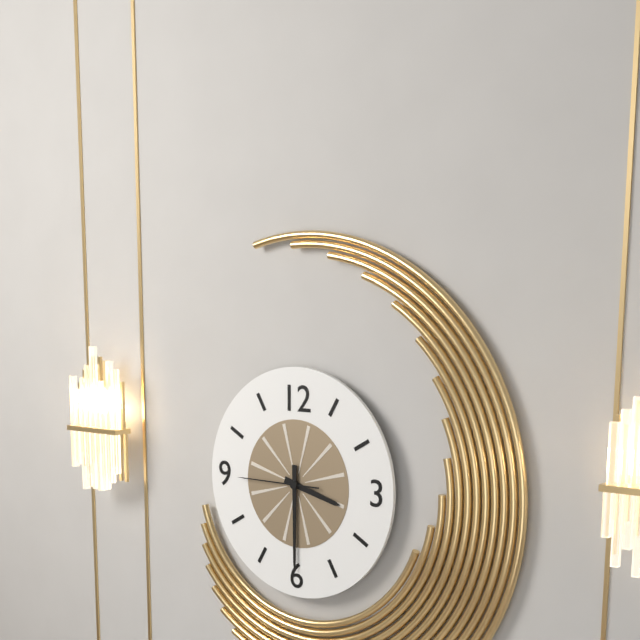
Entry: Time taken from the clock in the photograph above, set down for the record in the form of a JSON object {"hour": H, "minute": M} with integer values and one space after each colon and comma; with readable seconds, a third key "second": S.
{"hour": 3, "minute": 30, "second": 45}
